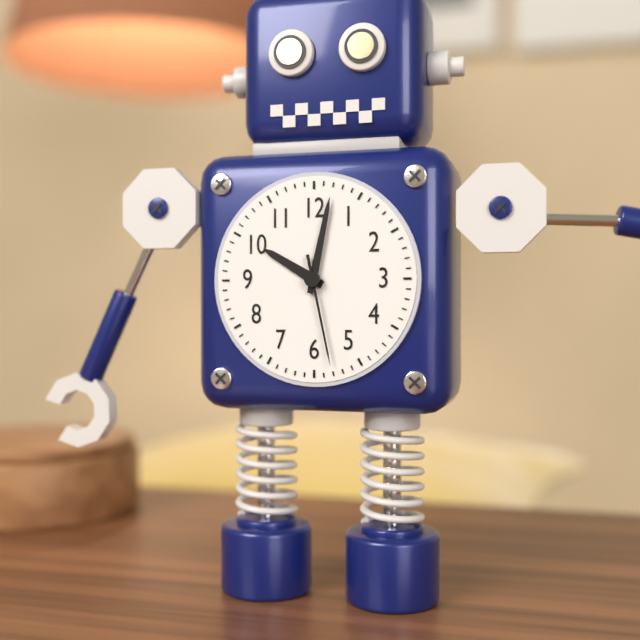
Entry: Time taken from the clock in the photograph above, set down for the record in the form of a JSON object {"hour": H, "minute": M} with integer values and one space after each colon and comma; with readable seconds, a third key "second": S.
{"hour": 10, "minute": 2, "second": 28}
